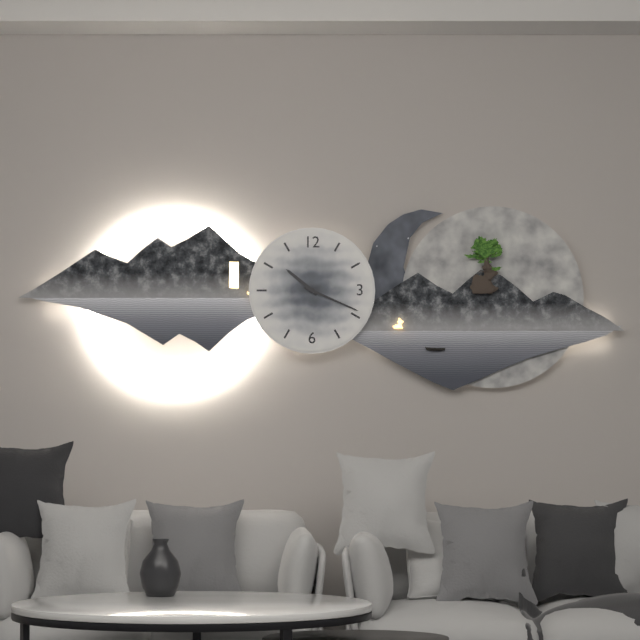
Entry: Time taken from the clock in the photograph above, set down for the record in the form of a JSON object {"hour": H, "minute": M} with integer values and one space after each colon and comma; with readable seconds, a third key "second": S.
{"hour": 10, "minute": 19}
